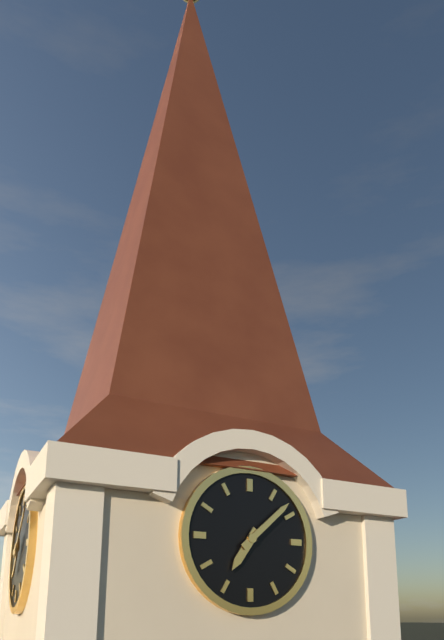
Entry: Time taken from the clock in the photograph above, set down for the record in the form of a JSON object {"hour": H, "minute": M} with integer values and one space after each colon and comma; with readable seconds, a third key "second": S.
{"hour": 7, "minute": 8}
